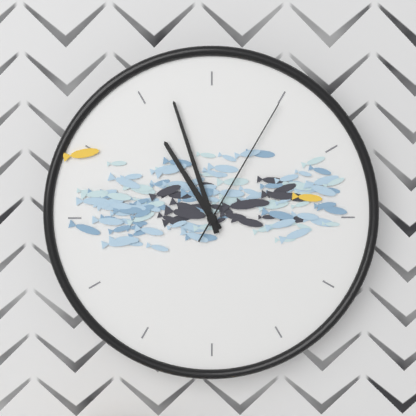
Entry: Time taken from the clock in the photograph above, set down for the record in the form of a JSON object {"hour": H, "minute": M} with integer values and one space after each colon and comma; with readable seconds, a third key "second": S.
{"hour": 10, "minute": 57, "second": 5}
